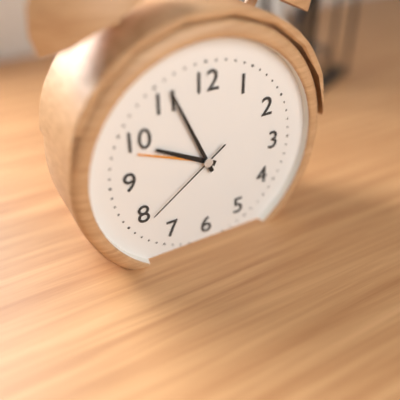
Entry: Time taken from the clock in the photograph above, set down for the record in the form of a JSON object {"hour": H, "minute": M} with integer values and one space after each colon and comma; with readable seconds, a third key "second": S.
{"hour": 9, "minute": 56, "second": 39}
